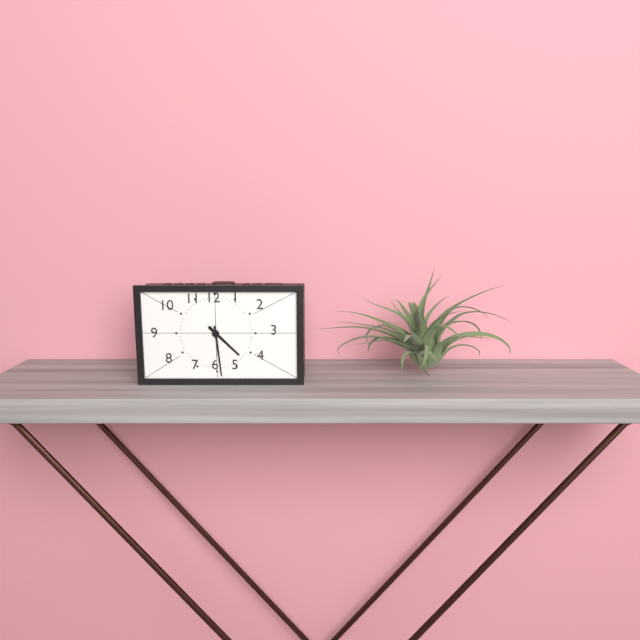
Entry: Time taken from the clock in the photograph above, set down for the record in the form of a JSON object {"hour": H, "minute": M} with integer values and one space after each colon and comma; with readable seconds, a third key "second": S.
{"hour": 4, "minute": 29}
